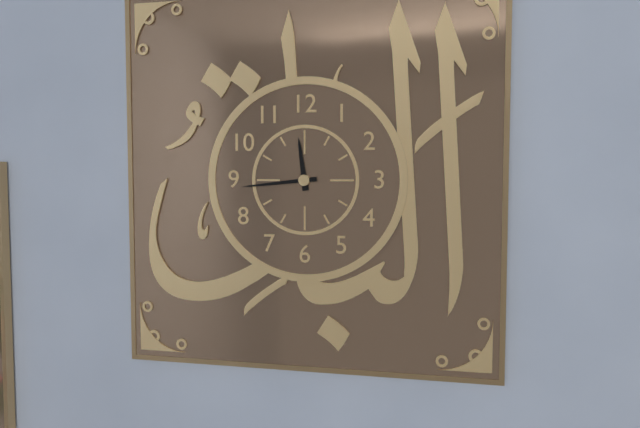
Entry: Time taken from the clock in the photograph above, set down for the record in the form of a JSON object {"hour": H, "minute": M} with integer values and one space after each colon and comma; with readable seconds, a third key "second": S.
{"hour": 11, "minute": 44}
